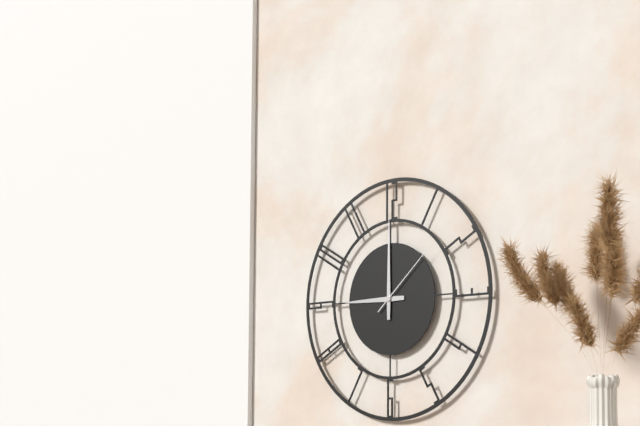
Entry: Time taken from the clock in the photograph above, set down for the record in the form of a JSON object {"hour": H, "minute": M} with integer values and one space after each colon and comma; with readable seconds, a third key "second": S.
{"hour": 9, "minute": 0, "second": 8}
